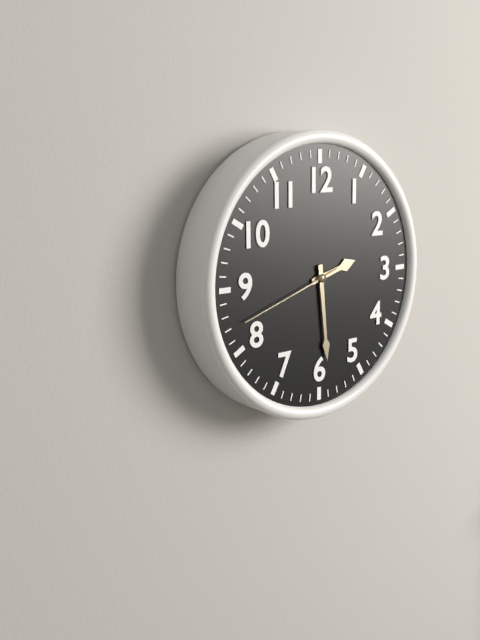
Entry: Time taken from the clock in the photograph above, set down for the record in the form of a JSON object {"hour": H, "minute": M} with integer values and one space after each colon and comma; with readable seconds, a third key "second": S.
{"hour": 2, "minute": 29, "second": 42}
